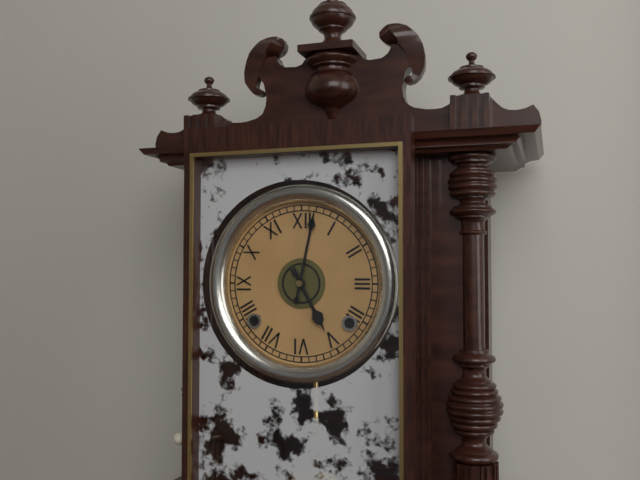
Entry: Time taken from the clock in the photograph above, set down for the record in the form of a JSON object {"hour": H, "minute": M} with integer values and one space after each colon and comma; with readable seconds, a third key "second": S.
{"hour": 5, "minute": 2}
